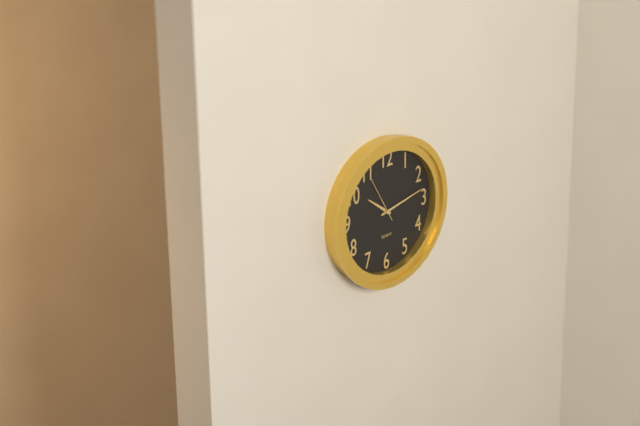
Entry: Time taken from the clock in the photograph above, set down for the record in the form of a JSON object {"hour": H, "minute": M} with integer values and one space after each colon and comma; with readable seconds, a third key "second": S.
{"hour": 10, "minute": 13}
